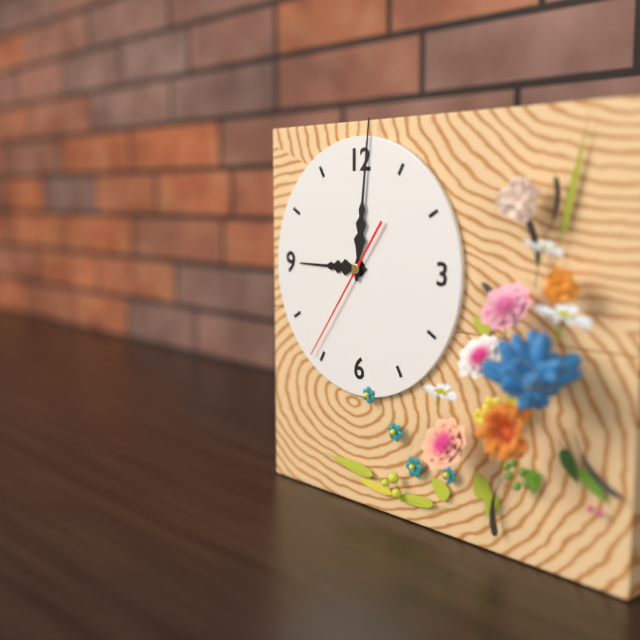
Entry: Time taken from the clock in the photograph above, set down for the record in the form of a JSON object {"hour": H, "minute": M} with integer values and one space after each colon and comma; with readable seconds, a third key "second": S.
{"hour": 9, "minute": 1, "second": 36}
